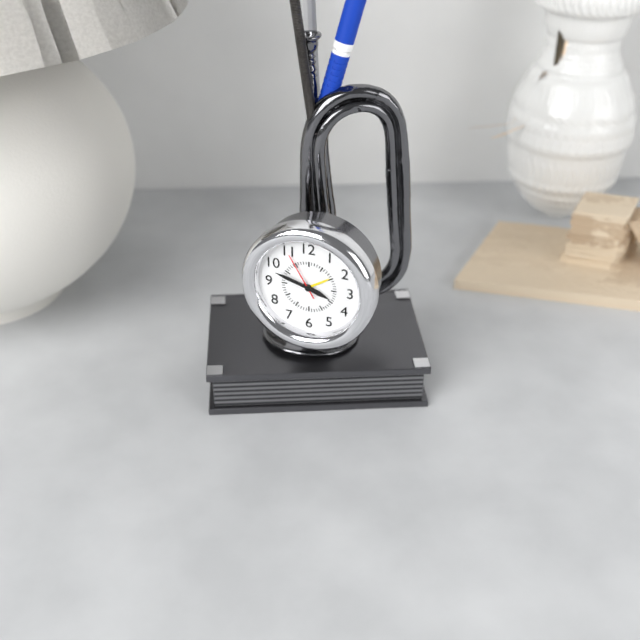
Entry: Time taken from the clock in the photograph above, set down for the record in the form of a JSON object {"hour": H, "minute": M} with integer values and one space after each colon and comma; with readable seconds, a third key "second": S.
{"hour": 3, "minute": 48}
